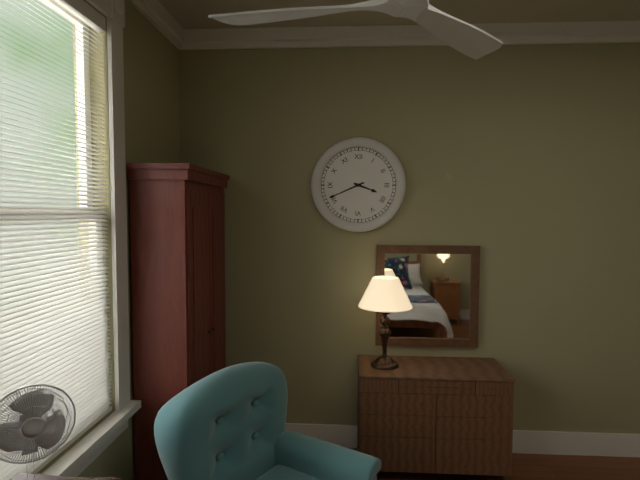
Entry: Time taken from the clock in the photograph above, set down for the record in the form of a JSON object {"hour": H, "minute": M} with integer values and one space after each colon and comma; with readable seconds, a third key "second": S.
{"hour": 3, "minute": 41}
